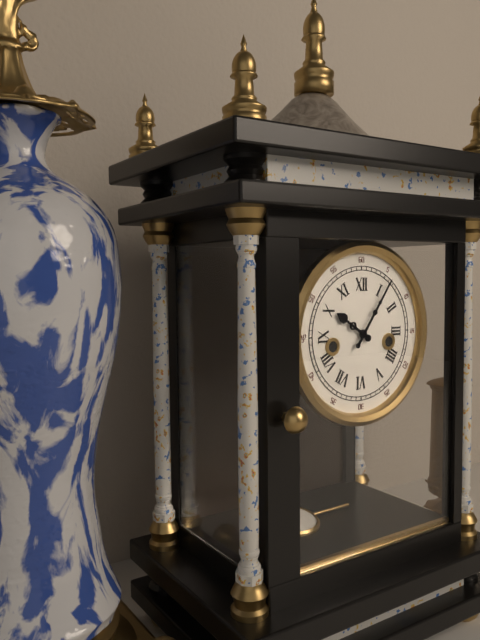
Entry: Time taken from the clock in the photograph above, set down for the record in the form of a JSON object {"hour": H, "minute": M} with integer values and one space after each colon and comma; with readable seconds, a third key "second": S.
{"hour": 10, "minute": 6}
